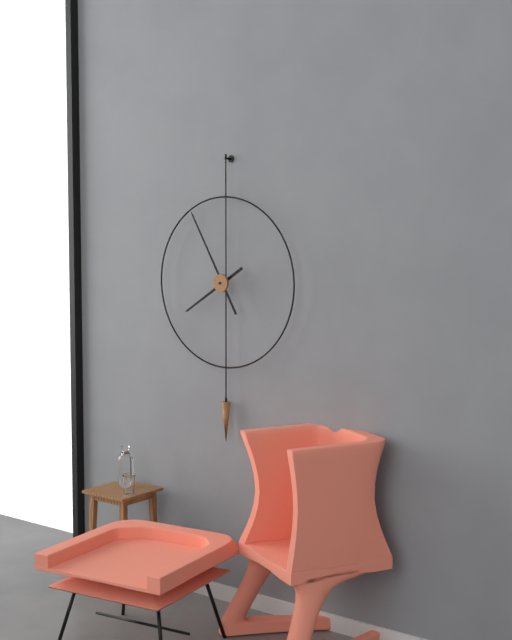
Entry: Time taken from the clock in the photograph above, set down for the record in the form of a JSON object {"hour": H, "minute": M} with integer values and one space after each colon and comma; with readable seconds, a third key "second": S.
{"hour": 7, "minute": 55}
